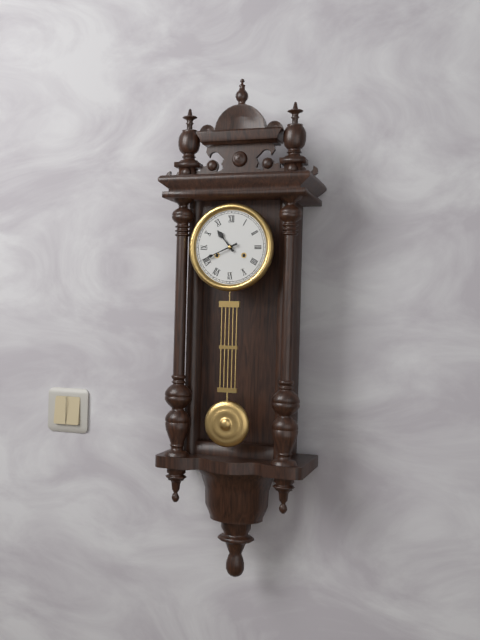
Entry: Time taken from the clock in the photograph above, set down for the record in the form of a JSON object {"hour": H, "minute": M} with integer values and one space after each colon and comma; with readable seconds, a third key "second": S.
{"hour": 10, "minute": 41}
